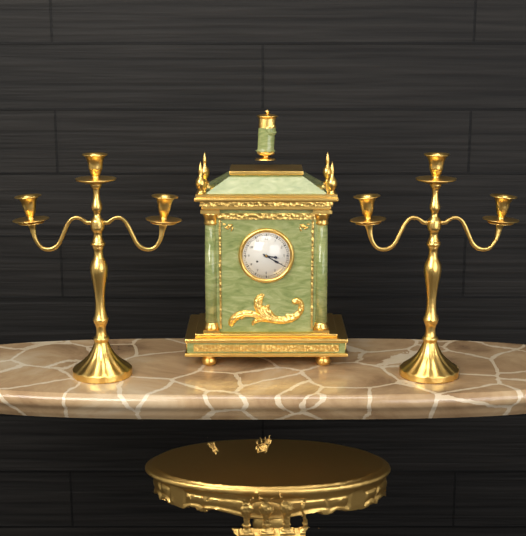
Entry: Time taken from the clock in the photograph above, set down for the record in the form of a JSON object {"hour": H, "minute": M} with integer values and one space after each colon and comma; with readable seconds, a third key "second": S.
{"hour": 3, "minute": 20}
